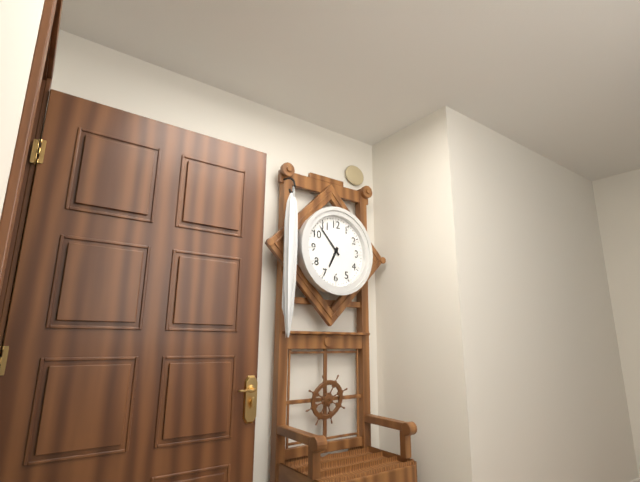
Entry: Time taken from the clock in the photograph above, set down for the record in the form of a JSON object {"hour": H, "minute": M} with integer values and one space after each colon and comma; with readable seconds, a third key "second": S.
{"hour": 6, "minute": 53}
